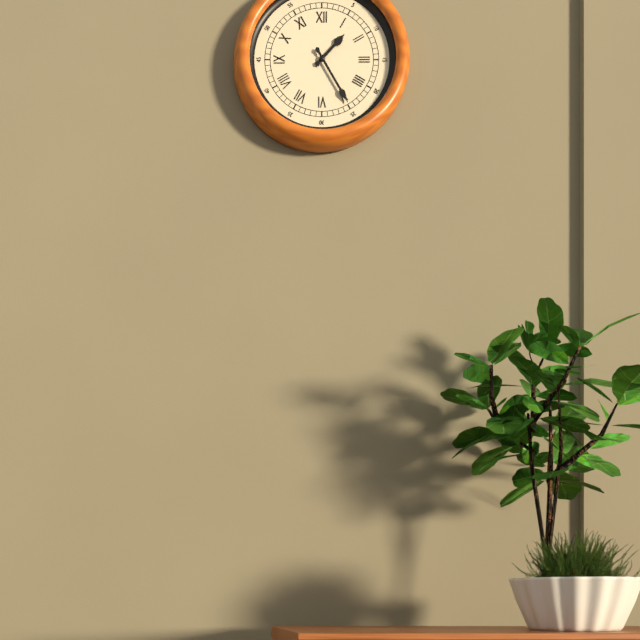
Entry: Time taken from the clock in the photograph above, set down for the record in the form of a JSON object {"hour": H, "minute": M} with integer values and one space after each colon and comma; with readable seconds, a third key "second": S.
{"hour": 1, "minute": 25}
